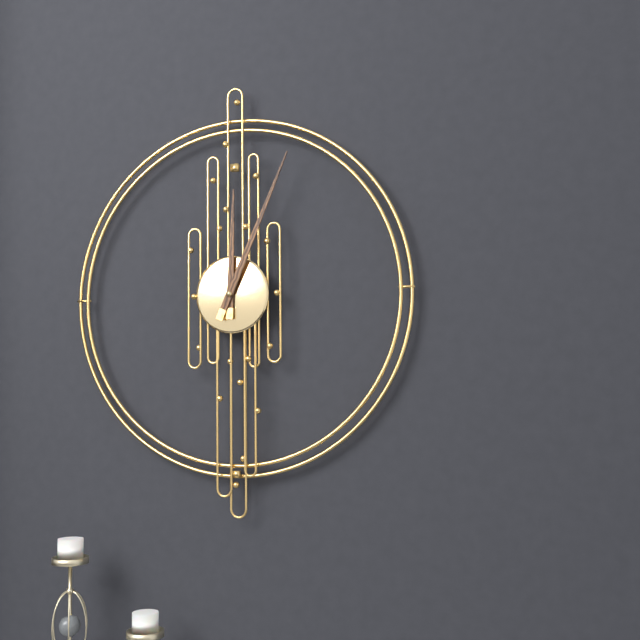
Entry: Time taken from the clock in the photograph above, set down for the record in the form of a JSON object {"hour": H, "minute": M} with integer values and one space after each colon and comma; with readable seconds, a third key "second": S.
{"hour": 12, "minute": 4}
